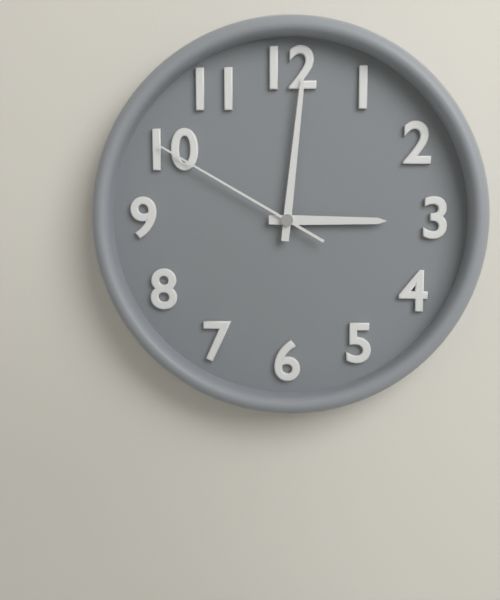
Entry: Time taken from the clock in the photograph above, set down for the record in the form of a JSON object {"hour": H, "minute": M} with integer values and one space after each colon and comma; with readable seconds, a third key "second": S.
{"hour": 3, "minute": 1, "second": 50}
